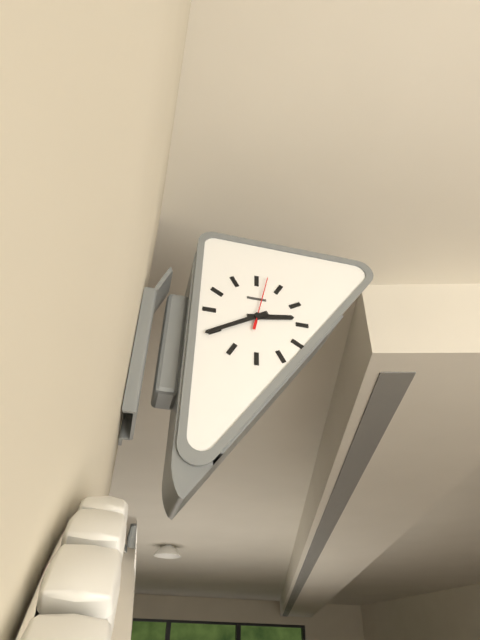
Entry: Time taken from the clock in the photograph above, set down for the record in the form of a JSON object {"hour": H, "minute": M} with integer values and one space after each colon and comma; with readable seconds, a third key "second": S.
{"hour": 2, "minute": 40}
